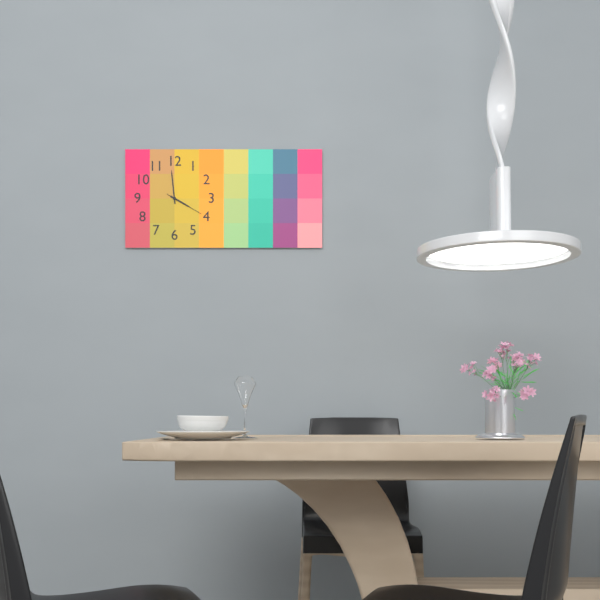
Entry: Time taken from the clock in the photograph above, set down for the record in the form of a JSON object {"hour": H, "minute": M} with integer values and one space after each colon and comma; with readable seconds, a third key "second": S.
{"hour": 3, "minute": 59}
